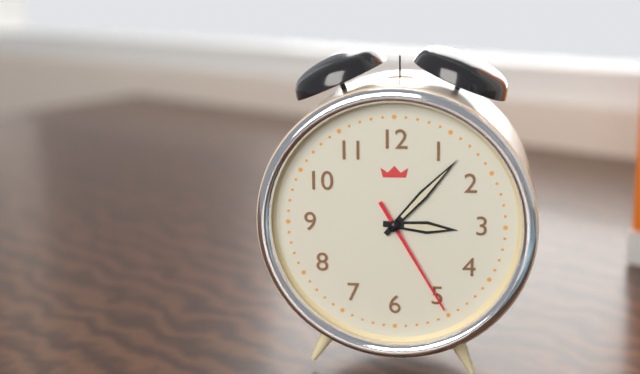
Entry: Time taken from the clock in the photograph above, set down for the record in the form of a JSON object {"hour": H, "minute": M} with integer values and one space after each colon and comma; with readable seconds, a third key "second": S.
{"hour": 3, "minute": 7, "second": 25}
